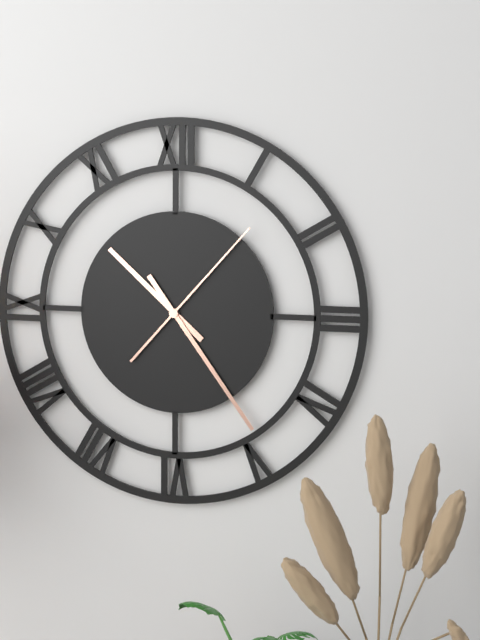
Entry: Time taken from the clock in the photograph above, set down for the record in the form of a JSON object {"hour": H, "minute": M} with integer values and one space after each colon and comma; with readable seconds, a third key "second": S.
{"hour": 10, "minute": 24, "second": 7}
